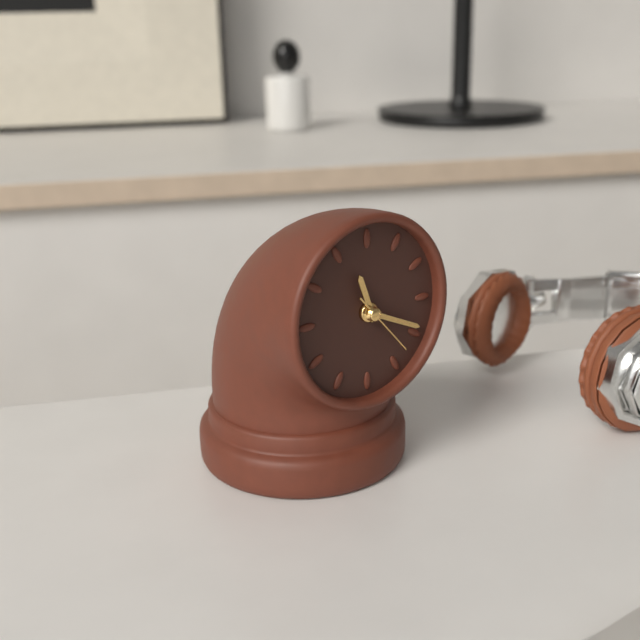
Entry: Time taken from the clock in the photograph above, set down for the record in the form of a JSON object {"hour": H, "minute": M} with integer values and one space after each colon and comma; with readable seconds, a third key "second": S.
{"hour": 11, "minute": 19, "second": 23}
